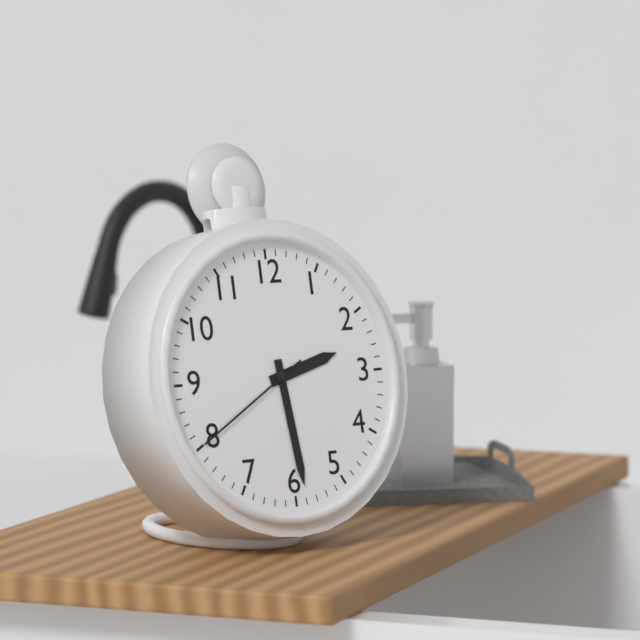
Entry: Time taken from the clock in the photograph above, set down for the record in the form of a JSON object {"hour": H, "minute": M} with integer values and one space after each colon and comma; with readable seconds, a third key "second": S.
{"hour": 2, "minute": 29, "second": 40}
